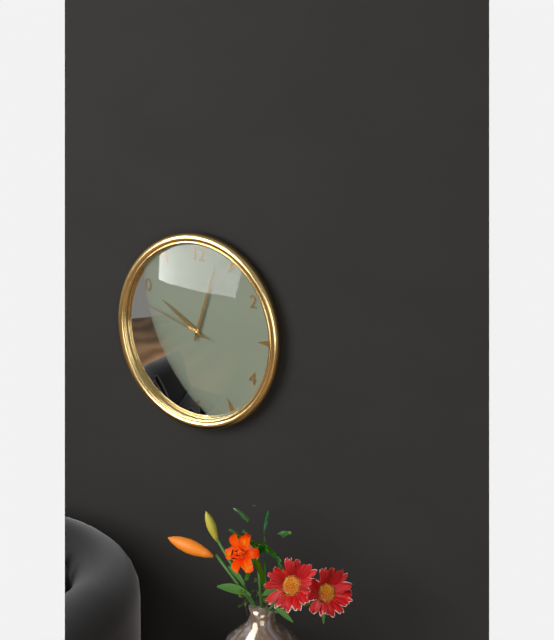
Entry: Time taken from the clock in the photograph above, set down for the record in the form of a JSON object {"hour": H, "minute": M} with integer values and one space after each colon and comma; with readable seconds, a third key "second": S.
{"hour": 10, "minute": 3, "second": 48}
